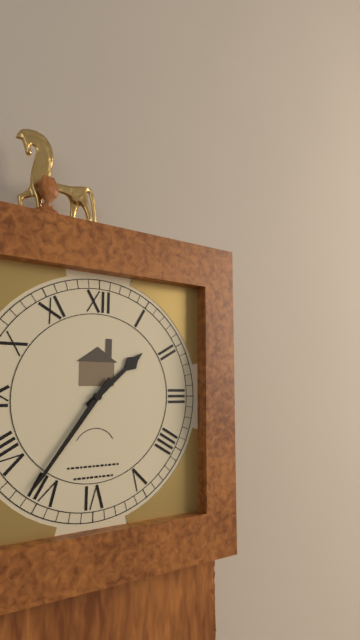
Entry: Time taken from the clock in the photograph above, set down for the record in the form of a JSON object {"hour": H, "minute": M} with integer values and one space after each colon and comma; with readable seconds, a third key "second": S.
{"hour": 1, "minute": 36}
